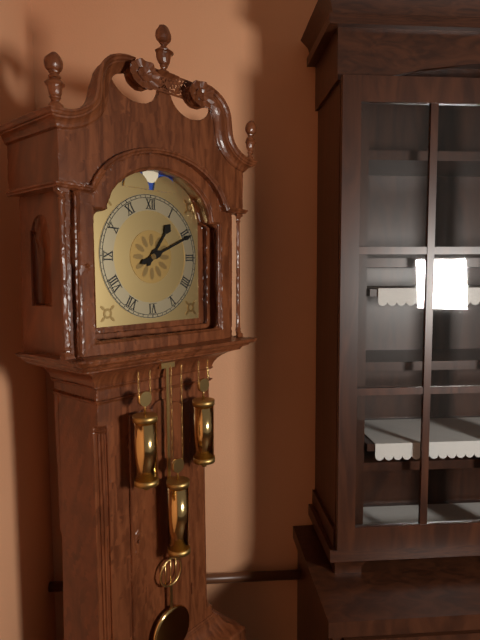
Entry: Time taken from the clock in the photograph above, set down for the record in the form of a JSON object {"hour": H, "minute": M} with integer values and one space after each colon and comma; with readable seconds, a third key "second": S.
{"hour": 1, "minute": 11}
